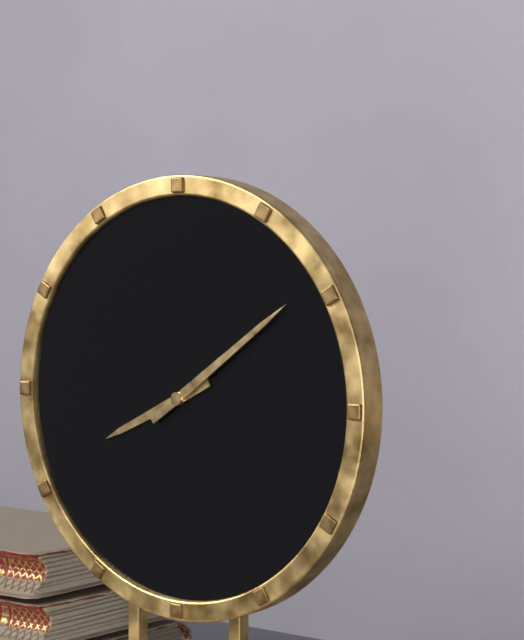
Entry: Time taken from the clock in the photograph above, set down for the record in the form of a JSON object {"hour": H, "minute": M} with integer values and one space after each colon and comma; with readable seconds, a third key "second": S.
{"hour": 8, "minute": 9}
